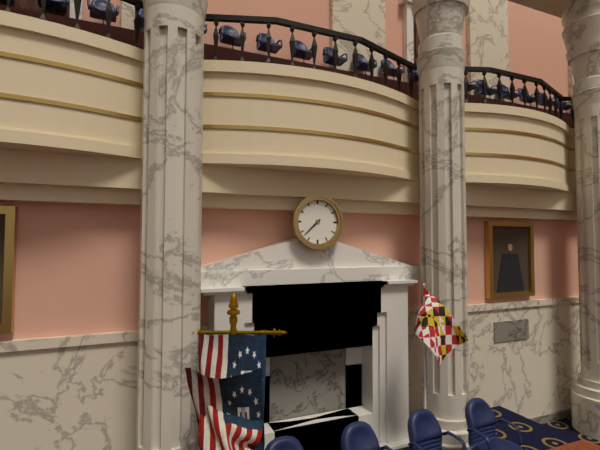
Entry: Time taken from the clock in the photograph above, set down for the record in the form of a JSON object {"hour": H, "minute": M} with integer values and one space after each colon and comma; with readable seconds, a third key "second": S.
{"hour": 7, "minute": 38}
